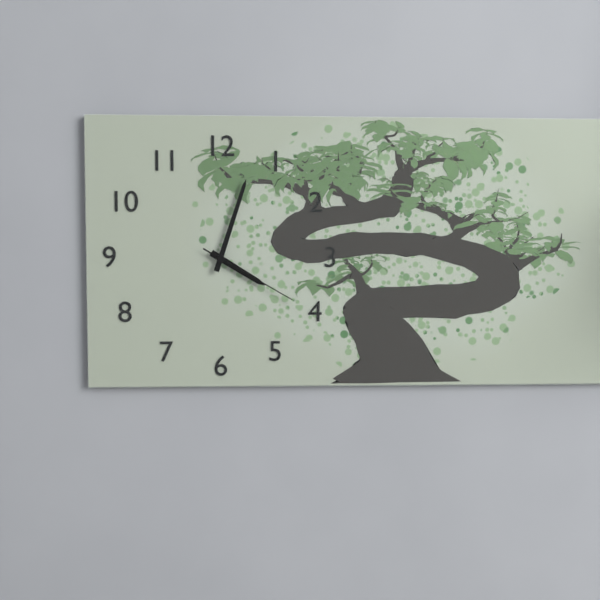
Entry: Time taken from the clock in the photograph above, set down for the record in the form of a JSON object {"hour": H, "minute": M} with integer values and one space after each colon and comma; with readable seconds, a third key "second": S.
{"hour": 4, "minute": 3, "second": 20}
